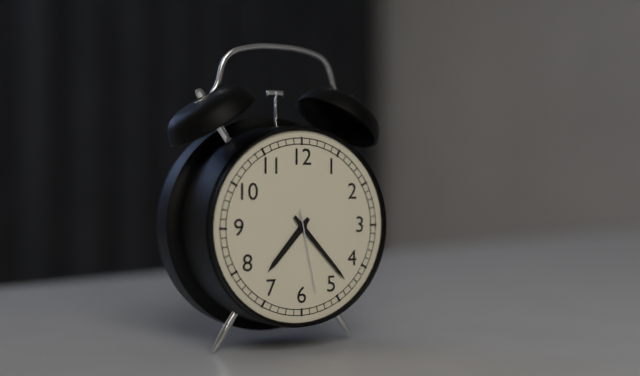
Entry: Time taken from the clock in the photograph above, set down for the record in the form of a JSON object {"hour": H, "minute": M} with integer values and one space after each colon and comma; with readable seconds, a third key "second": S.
{"hour": 7, "minute": 23, "second": 28}
